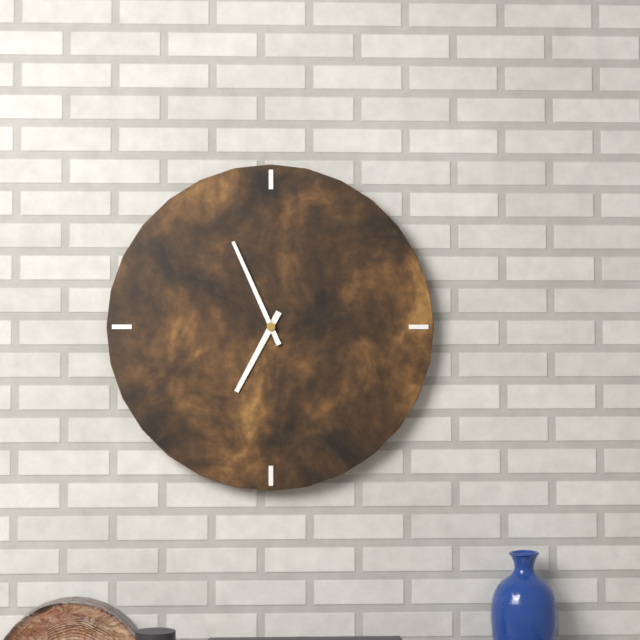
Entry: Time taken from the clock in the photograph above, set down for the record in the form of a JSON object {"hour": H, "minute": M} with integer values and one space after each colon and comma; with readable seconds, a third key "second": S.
{"hour": 6, "minute": 56}
